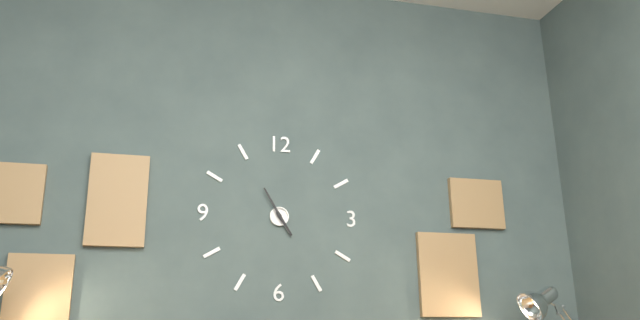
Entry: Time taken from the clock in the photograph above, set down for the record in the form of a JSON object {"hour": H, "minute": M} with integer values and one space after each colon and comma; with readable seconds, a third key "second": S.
{"hour": 4, "minute": 55}
